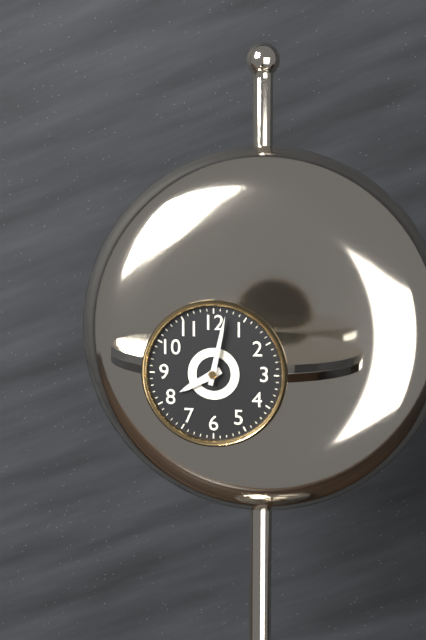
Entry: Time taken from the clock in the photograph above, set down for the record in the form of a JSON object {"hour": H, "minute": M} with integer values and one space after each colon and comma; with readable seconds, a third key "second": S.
{"hour": 8, "minute": 2}
